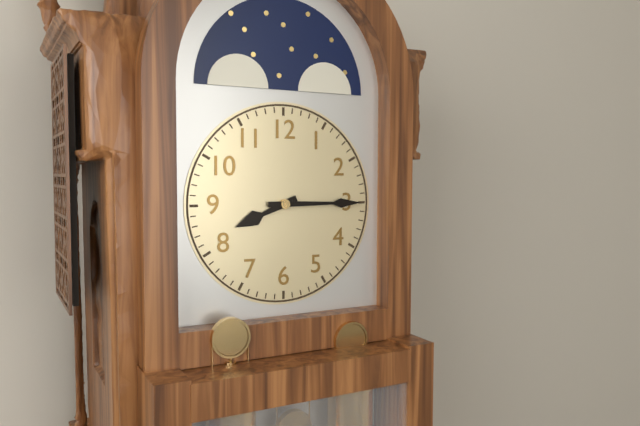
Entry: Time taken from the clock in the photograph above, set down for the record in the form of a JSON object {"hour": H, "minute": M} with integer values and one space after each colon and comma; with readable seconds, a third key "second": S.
{"hour": 8, "minute": 15}
